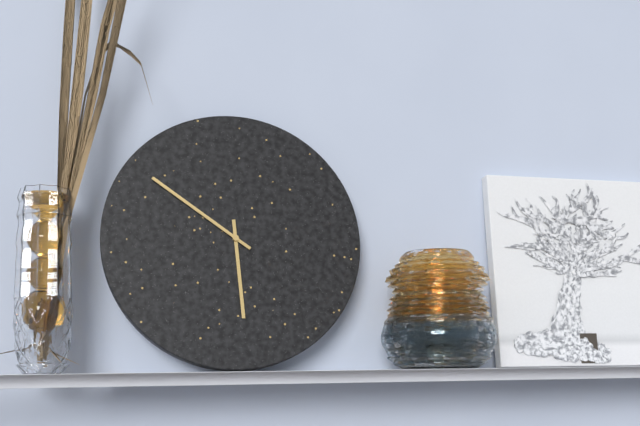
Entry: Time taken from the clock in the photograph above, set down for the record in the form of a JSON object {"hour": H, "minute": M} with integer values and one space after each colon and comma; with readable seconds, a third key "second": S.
{"hour": 5, "minute": 51}
